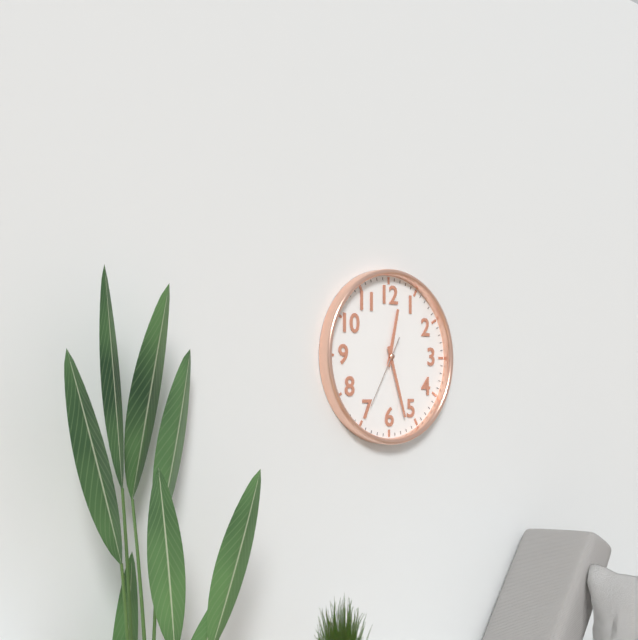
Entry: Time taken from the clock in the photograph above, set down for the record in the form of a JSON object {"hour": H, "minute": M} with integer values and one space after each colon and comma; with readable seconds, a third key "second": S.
{"hour": 12, "minute": 27, "second": 35}
